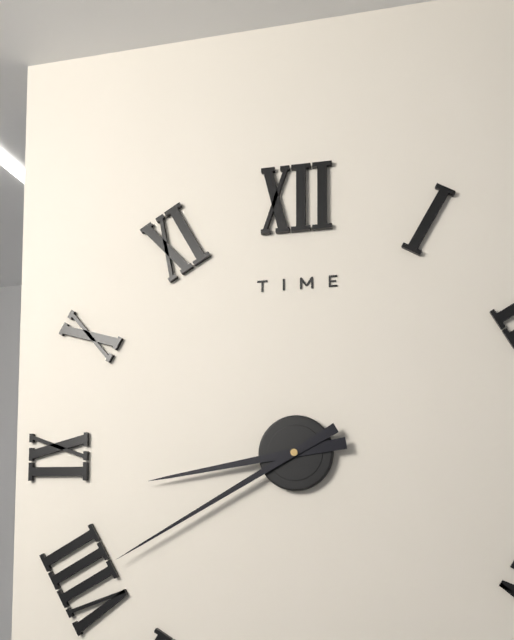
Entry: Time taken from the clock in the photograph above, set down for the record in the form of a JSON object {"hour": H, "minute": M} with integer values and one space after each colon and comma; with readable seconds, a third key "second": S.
{"hour": 8, "minute": 40}
